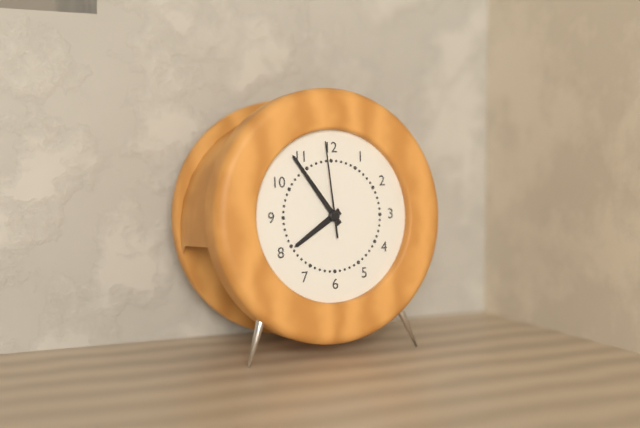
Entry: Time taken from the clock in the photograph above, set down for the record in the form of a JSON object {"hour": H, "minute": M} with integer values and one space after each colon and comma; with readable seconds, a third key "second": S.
{"hour": 7, "minute": 54, "second": 59}
